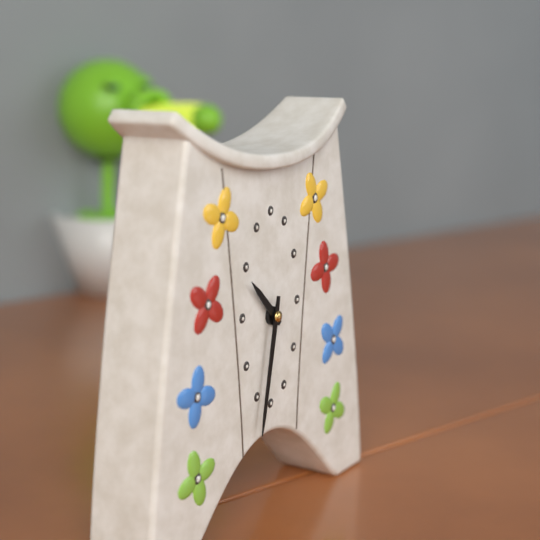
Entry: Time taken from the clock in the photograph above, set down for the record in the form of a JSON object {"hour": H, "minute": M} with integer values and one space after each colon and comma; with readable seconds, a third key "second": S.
{"hour": 10, "minute": 32}
